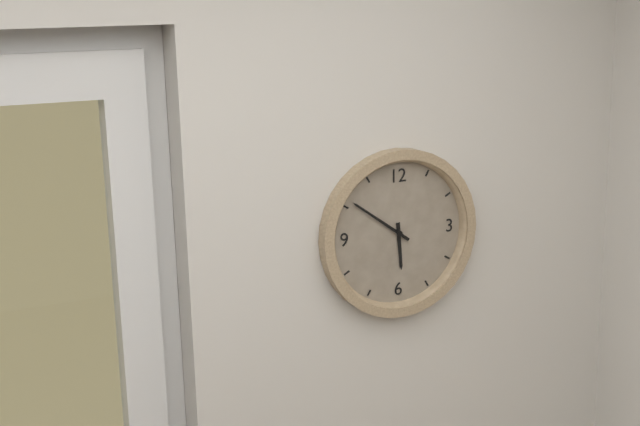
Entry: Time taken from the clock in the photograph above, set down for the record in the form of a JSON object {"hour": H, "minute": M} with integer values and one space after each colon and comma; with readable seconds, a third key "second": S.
{"hour": 5, "minute": 51}
